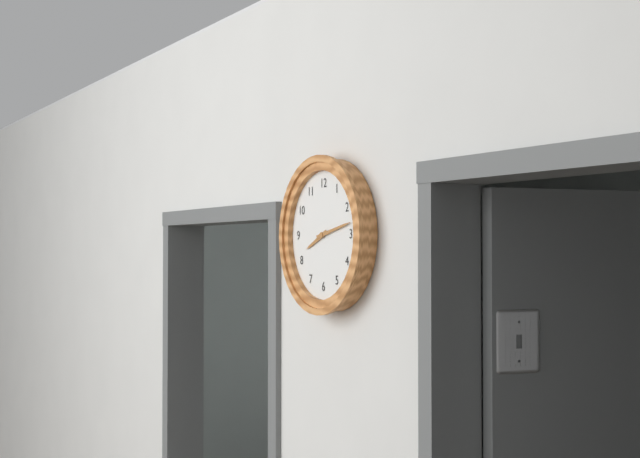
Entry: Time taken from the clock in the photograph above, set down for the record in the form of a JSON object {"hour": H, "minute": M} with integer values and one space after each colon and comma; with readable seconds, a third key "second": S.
{"hour": 8, "minute": 13}
